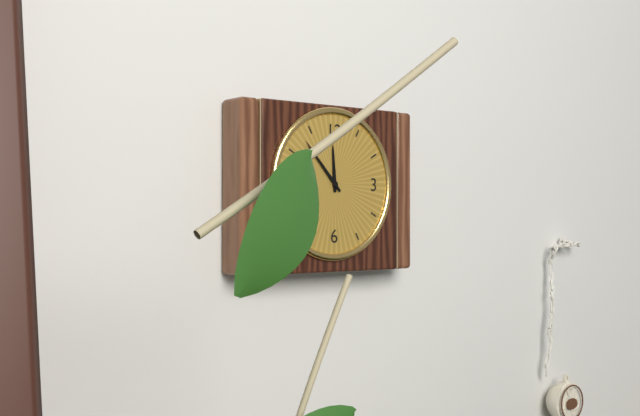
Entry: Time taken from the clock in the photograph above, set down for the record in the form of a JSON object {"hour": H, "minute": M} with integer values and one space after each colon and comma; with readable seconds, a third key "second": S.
{"hour": 11, "minute": 53}
